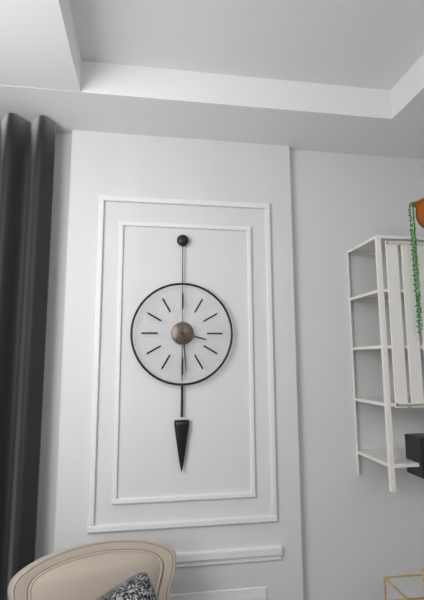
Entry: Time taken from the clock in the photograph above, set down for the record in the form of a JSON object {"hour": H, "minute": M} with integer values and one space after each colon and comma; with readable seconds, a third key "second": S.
{"hour": 3, "minute": 29}
